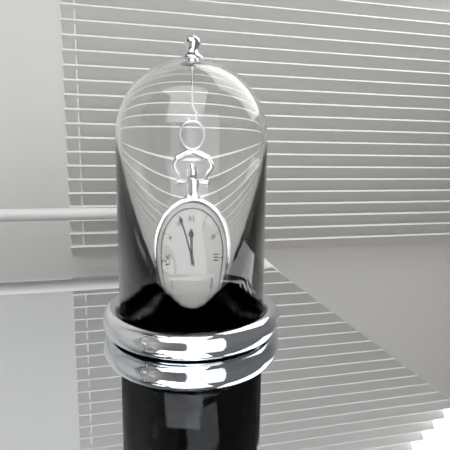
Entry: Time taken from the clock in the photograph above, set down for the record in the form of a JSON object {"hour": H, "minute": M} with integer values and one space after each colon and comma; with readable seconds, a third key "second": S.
{"hour": 11, "minute": 56}
